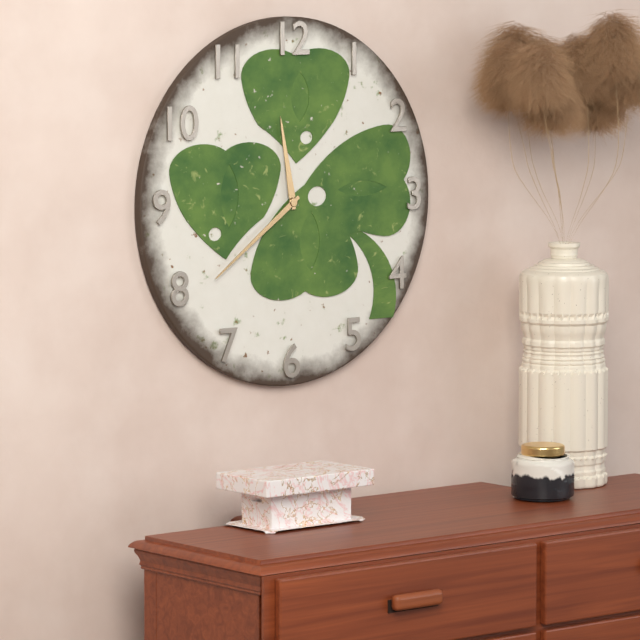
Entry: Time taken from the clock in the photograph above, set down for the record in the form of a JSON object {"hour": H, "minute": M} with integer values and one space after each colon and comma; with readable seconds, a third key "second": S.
{"hour": 11, "minute": 39}
